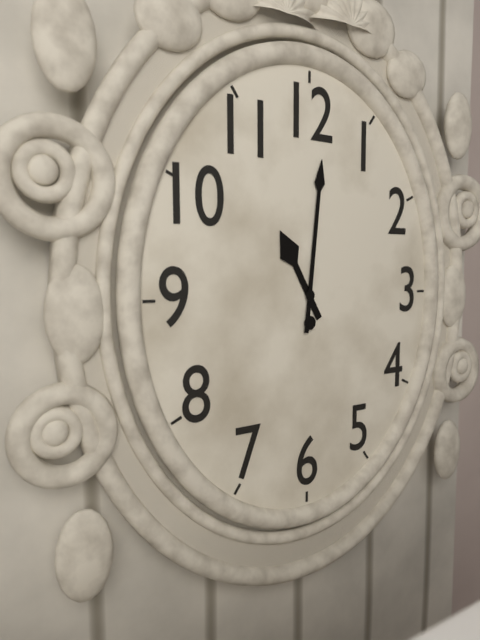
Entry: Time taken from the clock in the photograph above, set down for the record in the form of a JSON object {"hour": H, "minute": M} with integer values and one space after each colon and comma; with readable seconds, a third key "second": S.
{"hour": 11, "minute": 1}
